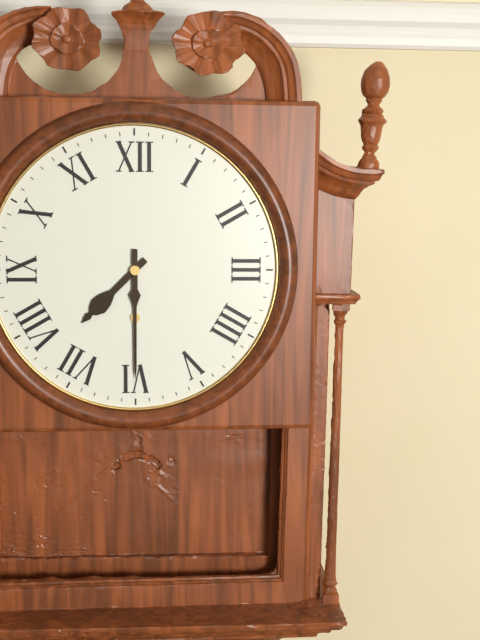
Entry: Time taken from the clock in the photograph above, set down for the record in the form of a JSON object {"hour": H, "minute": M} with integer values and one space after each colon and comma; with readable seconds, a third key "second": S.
{"hour": 7, "minute": 30}
